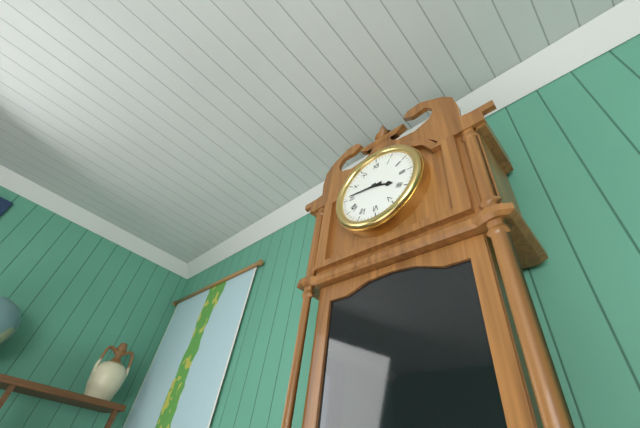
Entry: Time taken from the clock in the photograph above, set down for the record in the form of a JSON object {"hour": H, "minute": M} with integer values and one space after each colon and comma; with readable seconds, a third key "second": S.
{"hour": 3, "minute": 46}
